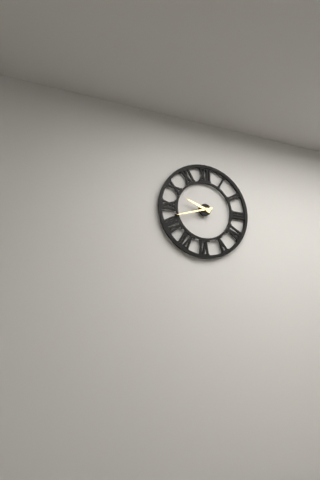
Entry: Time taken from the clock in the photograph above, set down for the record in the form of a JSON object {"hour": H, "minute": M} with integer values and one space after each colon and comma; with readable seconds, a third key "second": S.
{"hour": 9, "minute": 42}
